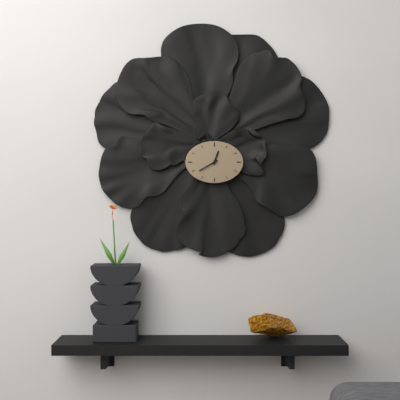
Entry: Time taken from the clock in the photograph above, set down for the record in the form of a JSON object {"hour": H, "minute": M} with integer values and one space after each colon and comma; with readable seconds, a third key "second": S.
{"hour": 12, "minute": 40}
